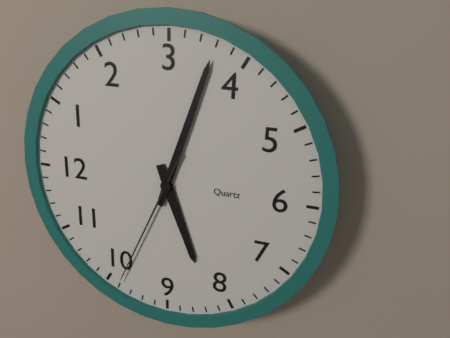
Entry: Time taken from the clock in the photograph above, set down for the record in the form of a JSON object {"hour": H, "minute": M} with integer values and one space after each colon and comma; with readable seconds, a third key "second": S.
{"hour": 8, "minute": 18, "second": 49}
